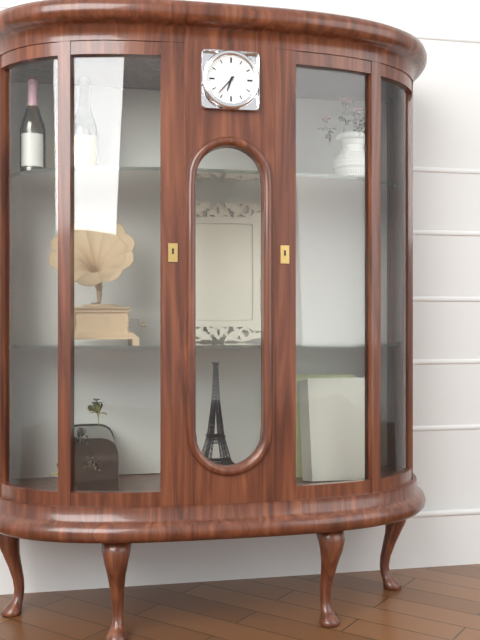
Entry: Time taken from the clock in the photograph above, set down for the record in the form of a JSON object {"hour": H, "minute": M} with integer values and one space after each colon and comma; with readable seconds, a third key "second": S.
{"hour": 6, "minute": 37}
